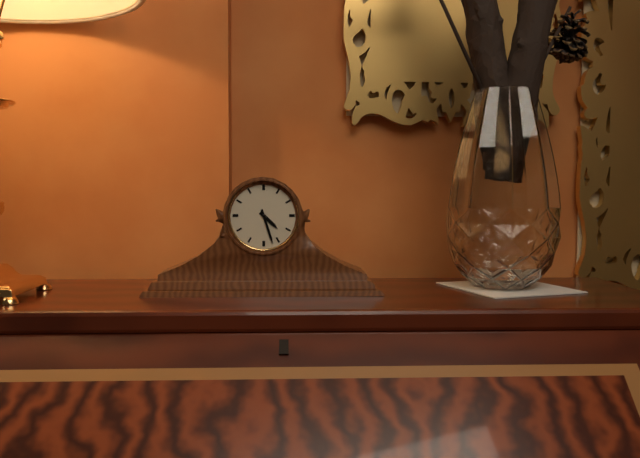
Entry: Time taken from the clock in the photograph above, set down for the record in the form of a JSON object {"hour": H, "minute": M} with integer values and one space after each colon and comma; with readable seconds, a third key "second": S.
{"hour": 4, "minute": 27}
